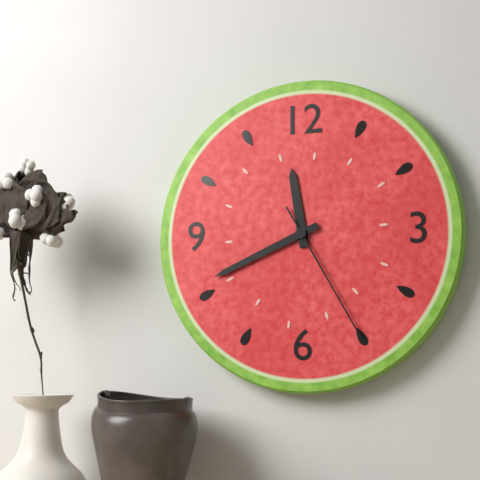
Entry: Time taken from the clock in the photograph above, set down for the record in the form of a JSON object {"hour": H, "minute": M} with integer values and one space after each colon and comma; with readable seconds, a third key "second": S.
{"hour": 11, "minute": 41, "second": 25}
